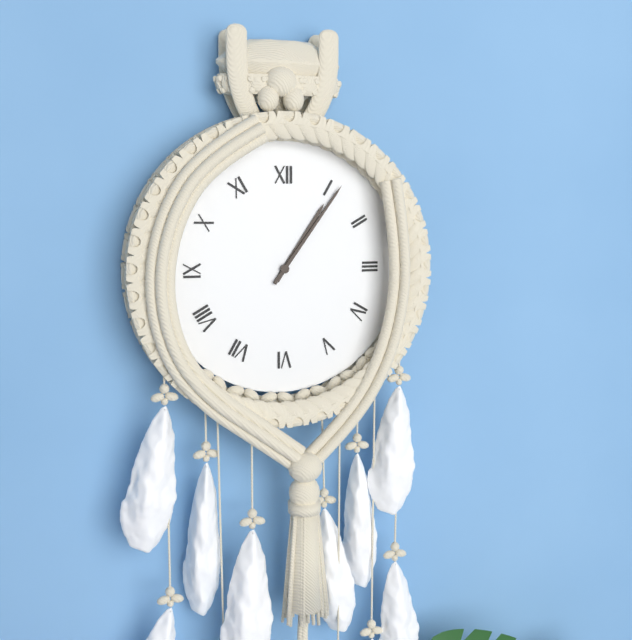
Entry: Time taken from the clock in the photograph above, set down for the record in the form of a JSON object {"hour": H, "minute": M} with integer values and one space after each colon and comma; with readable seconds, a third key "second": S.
{"hour": 1, "minute": 6}
